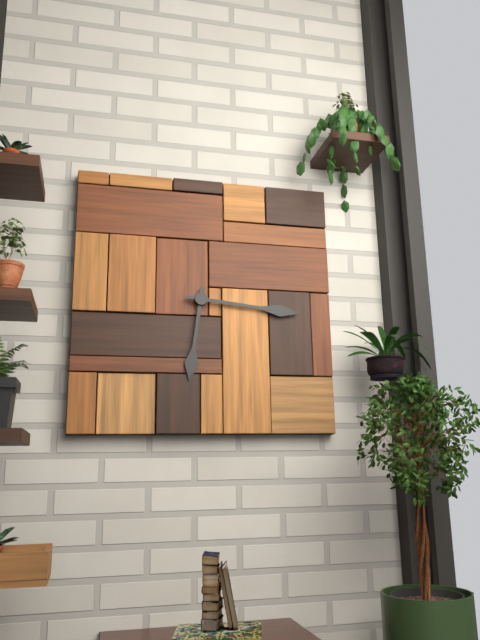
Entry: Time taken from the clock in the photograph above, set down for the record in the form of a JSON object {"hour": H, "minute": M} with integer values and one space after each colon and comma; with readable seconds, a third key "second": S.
{"hour": 6, "minute": 16}
